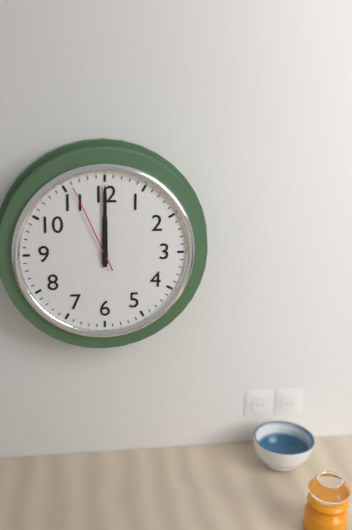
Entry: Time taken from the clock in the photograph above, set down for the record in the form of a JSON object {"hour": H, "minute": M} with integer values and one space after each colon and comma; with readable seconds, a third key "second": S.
{"hour": 12, "minute": 0, "second": 56}
